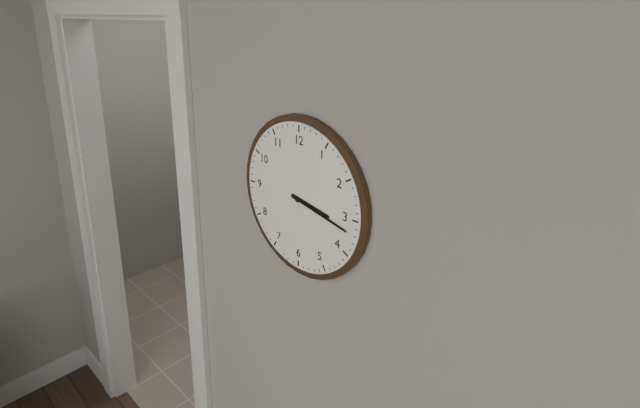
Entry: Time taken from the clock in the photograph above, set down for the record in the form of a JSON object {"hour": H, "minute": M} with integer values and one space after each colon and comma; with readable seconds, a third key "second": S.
{"hour": 3, "minute": 17}
